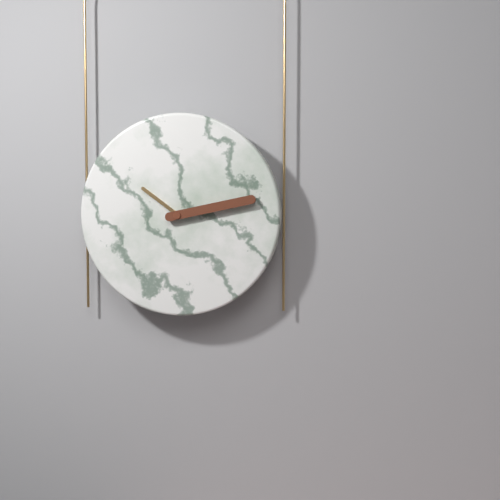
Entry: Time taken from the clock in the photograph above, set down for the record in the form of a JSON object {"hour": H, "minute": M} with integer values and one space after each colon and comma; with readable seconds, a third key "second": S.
{"hour": 10, "minute": 13}
